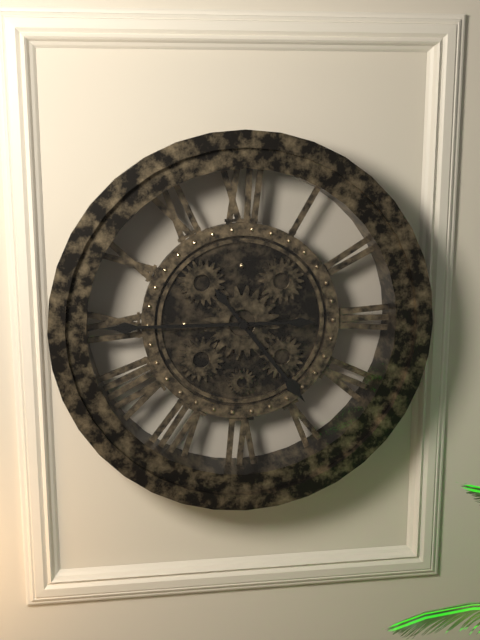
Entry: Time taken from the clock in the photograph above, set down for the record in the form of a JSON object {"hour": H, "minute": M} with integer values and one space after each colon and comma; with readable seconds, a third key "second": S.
{"hour": 4, "minute": 45}
